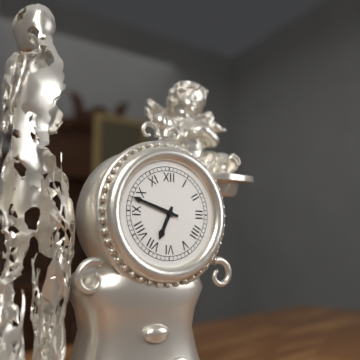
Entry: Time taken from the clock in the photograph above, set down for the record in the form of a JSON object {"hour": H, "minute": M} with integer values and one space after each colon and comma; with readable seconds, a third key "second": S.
{"hour": 6, "minute": 48}
